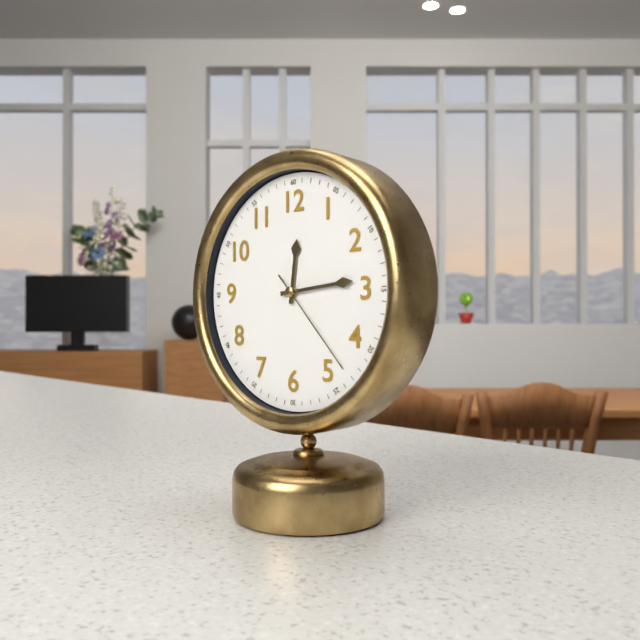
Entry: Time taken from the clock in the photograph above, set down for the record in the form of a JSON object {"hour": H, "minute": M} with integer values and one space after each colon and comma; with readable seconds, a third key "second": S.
{"hour": 12, "minute": 14, "second": 23}
